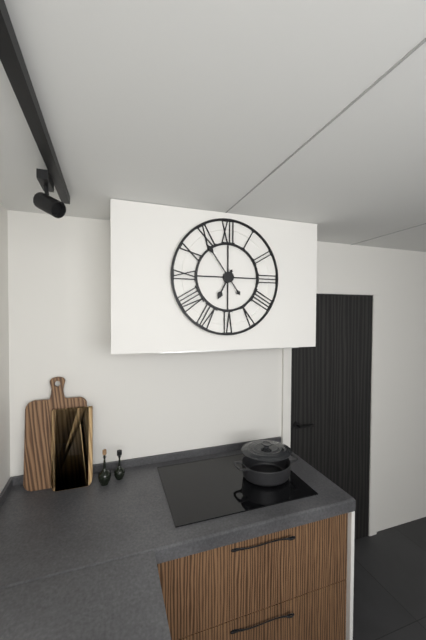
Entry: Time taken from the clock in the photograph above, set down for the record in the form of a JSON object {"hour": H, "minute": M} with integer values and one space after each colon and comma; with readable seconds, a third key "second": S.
{"hour": 6, "minute": 54}
